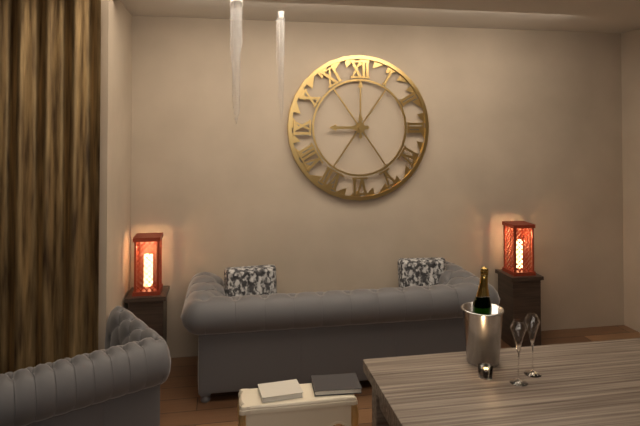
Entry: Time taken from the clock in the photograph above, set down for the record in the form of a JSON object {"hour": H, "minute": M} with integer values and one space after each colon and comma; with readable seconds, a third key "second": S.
{"hour": 9, "minute": 0}
